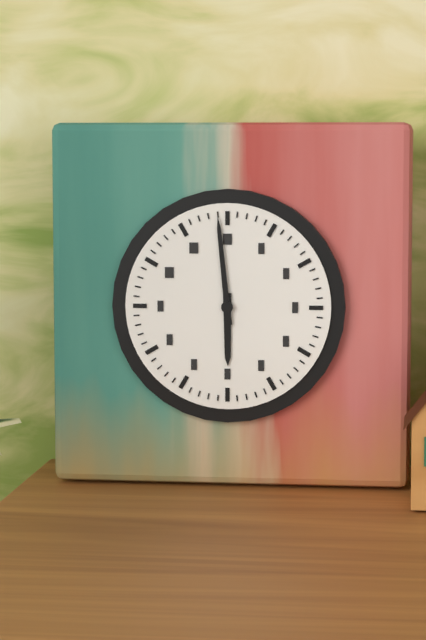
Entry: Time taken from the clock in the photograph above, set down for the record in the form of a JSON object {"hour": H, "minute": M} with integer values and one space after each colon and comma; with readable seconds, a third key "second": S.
{"hour": 5, "minute": 59}
